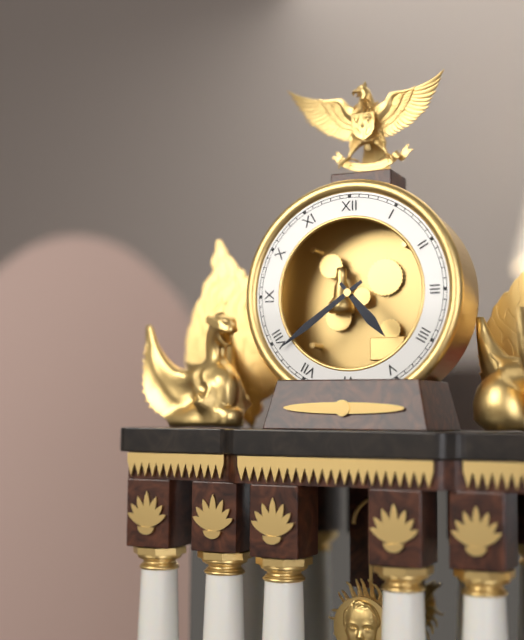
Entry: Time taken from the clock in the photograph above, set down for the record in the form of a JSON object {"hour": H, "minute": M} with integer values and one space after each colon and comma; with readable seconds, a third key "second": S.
{"hour": 4, "minute": 39}
